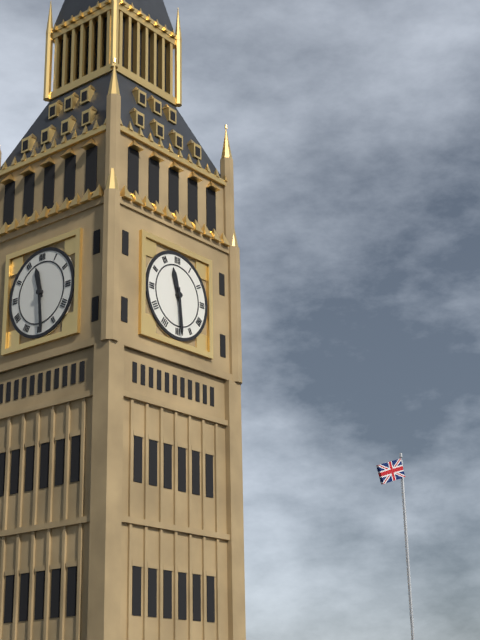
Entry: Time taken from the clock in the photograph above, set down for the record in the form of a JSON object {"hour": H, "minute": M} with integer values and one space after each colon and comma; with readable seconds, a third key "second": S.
{"hour": 11, "minute": 29}
